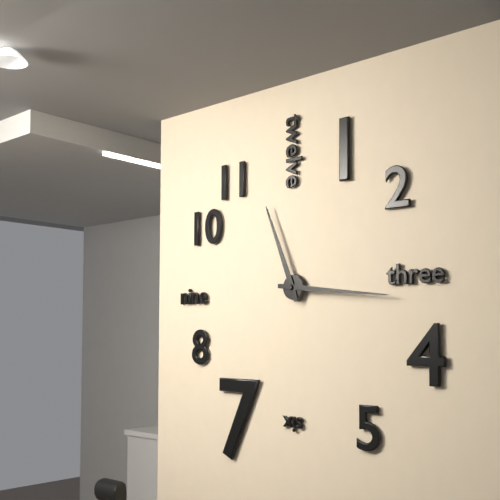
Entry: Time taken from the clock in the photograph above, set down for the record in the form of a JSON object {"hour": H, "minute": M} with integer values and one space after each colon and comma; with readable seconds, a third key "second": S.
{"hour": 11, "minute": 16}
